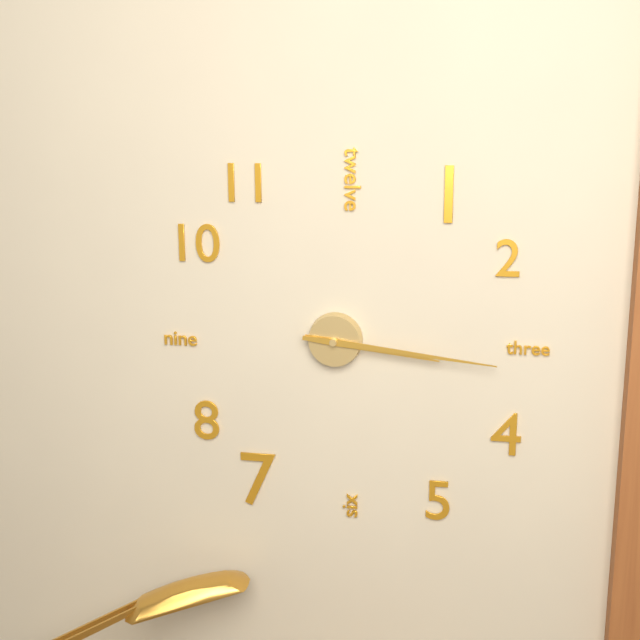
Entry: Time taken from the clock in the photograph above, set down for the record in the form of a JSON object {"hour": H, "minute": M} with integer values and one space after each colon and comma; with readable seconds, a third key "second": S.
{"hour": 3, "minute": 16}
